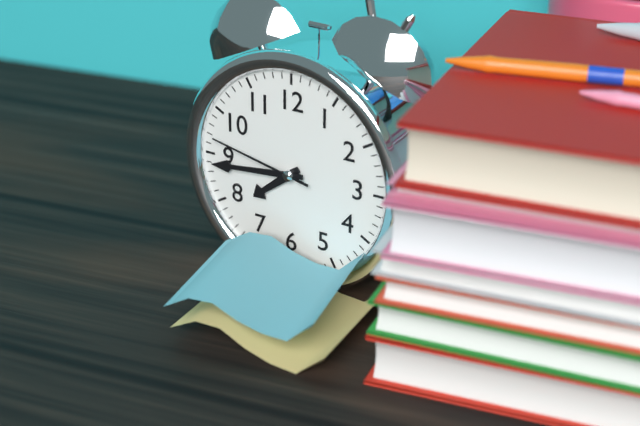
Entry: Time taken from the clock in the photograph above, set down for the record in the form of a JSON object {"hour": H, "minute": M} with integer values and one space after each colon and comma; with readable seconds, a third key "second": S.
{"hour": 7, "minute": 44, "second": 47}
